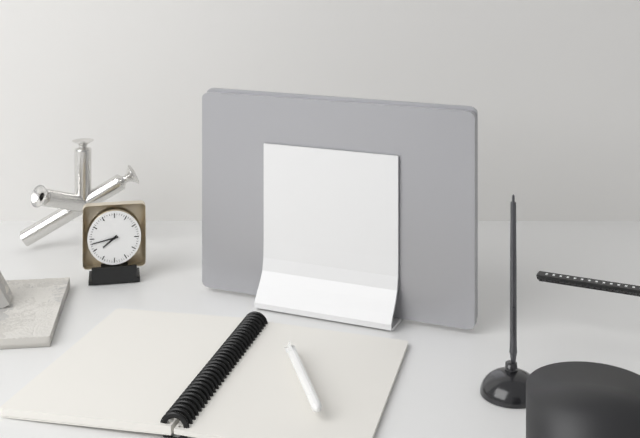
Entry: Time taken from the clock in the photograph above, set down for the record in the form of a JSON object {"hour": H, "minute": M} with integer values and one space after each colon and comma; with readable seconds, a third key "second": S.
{"hour": 7, "minute": 43}
